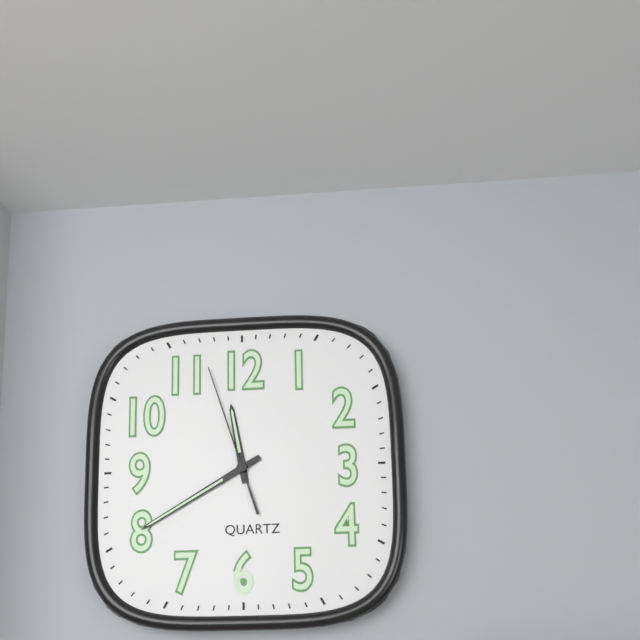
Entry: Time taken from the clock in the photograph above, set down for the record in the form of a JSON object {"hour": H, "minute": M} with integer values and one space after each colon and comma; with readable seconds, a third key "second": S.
{"hour": 11, "minute": 40, "second": 57}
